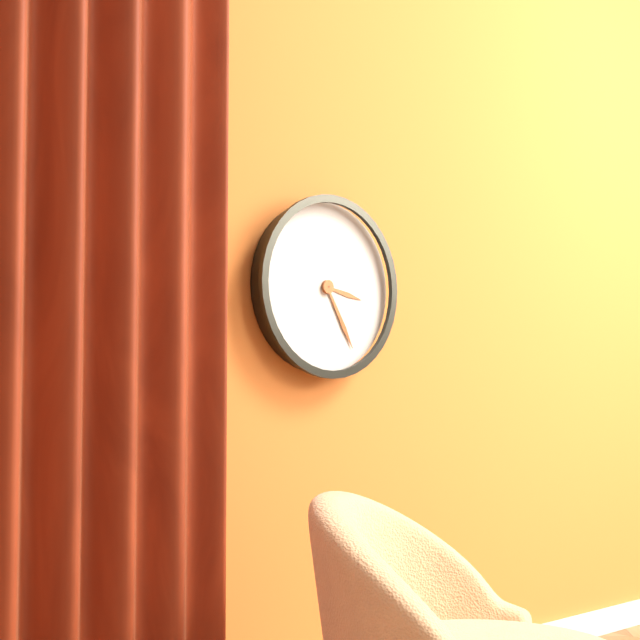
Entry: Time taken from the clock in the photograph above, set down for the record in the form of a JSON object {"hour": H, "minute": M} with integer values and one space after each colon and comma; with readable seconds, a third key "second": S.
{"hour": 3, "minute": 25}
